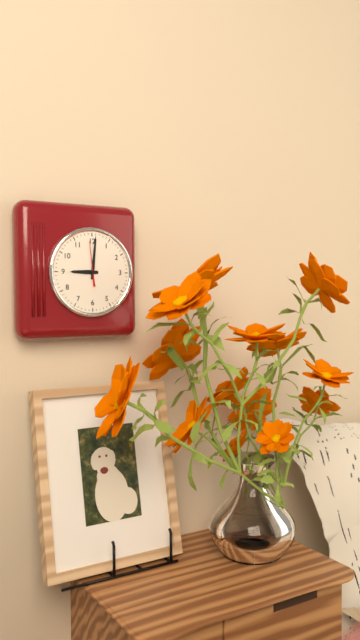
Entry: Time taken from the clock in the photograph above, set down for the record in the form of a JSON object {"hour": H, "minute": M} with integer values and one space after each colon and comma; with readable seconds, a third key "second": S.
{"hour": 9, "minute": 1}
